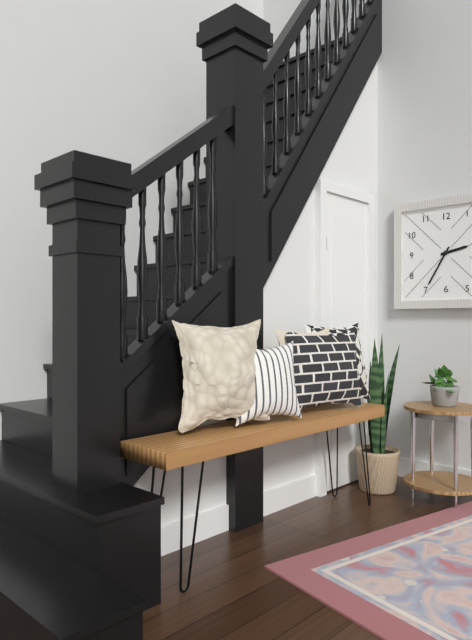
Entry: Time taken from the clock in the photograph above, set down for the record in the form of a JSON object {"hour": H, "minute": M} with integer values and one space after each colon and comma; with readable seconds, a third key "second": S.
{"hour": 2, "minute": 35}
